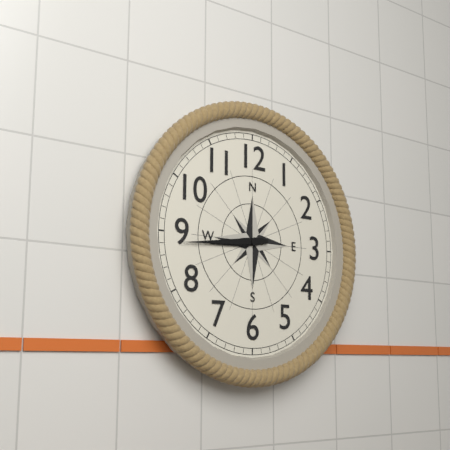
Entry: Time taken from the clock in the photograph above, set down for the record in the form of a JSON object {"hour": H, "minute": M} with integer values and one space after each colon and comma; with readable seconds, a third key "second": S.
{"hour": 8, "minute": 44}
